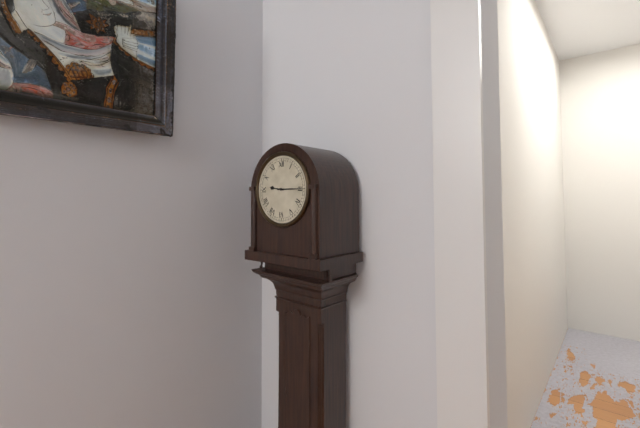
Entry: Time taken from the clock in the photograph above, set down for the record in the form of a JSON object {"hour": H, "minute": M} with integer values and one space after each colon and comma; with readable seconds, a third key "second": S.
{"hour": 9, "minute": 15}
